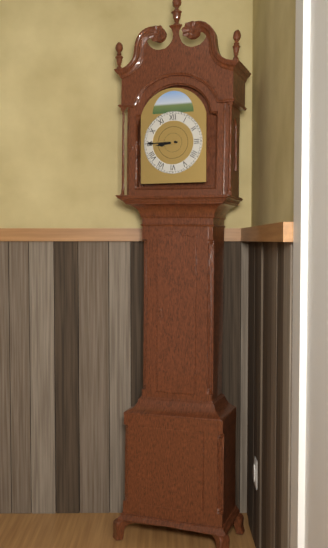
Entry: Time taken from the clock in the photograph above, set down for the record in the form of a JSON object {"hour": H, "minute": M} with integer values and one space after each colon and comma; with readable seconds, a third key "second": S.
{"hour": 8, "minute": 45}
